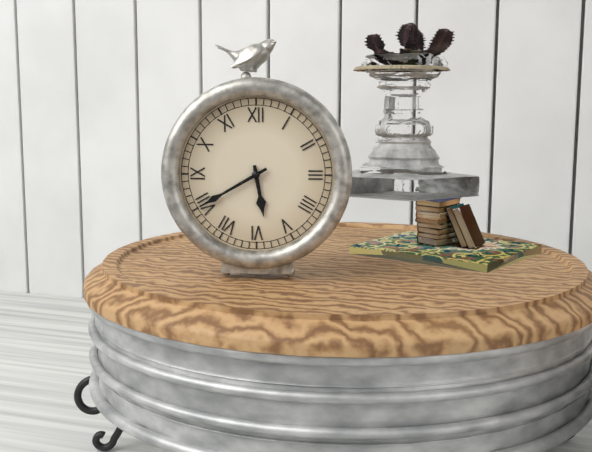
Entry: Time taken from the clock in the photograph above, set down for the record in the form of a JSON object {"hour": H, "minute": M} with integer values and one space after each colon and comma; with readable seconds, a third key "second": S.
{"hour": 5, "minute": 40}
